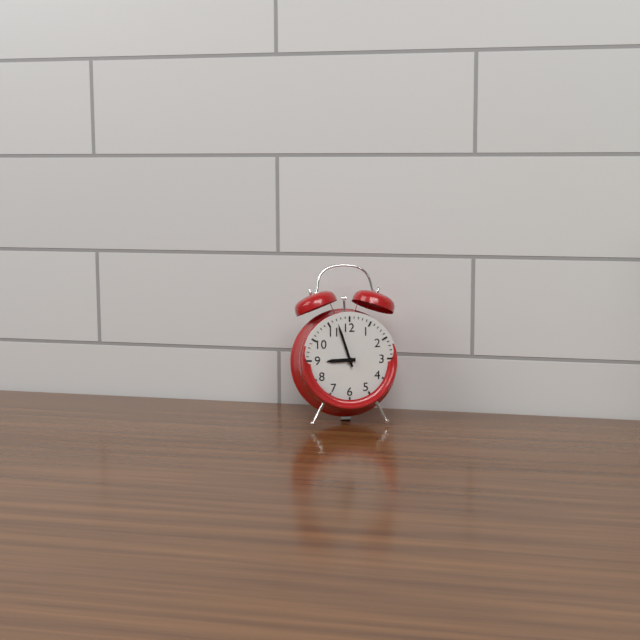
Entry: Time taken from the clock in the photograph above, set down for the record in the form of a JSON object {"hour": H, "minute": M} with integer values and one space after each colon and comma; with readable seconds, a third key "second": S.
{"hour": 8, "minute": 57}
